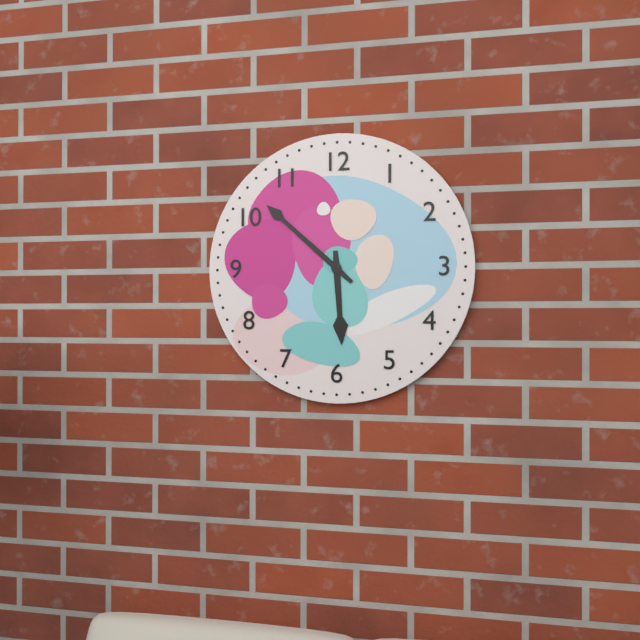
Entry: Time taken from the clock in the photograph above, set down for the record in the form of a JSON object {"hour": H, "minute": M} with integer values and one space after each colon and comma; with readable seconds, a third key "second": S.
{"hour": 5, "minute": 52}
